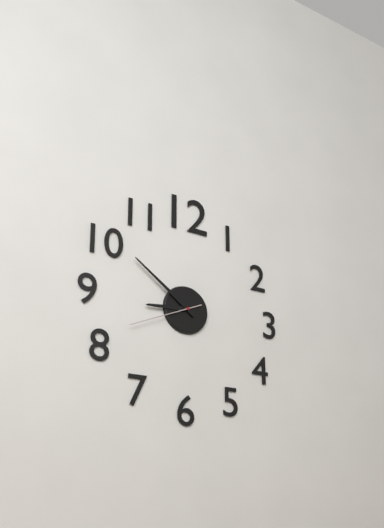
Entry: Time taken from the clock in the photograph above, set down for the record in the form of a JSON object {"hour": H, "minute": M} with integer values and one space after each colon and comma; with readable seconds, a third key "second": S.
{"hour": 8, "minute": 51, "second": 41}
